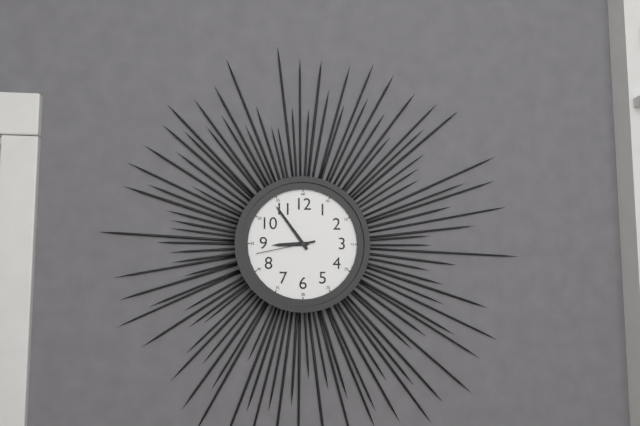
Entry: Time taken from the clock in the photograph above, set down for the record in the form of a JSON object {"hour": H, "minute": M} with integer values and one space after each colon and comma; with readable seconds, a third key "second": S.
{"hour": 8, "minute": 54, "second": 43}
